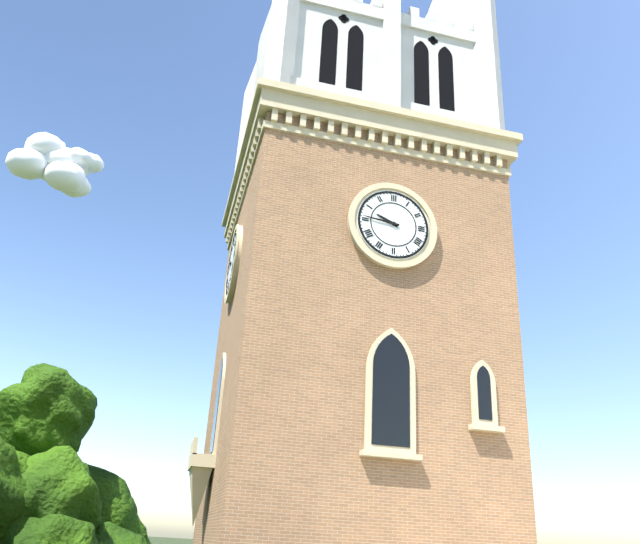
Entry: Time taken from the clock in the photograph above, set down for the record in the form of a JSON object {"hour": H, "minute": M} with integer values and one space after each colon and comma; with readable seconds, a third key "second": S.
{"hour": 9, "minute": 46}
